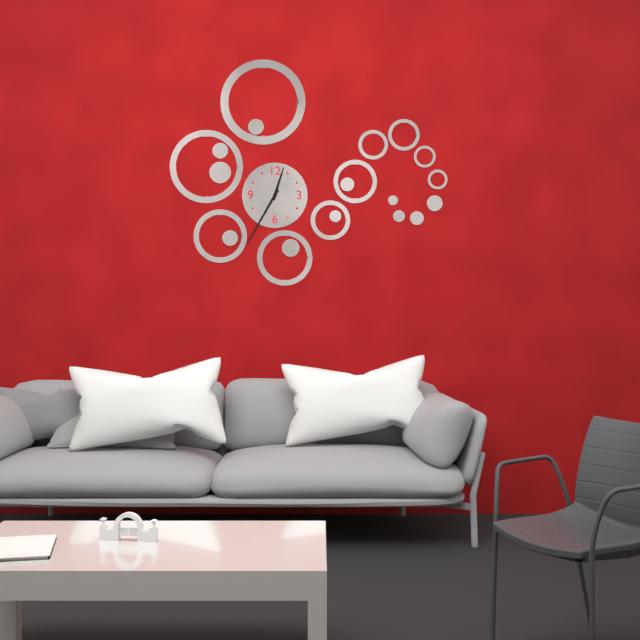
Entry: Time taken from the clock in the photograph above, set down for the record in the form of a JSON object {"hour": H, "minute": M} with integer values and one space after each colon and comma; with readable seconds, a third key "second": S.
{"hour": 12, "minute": 35}
